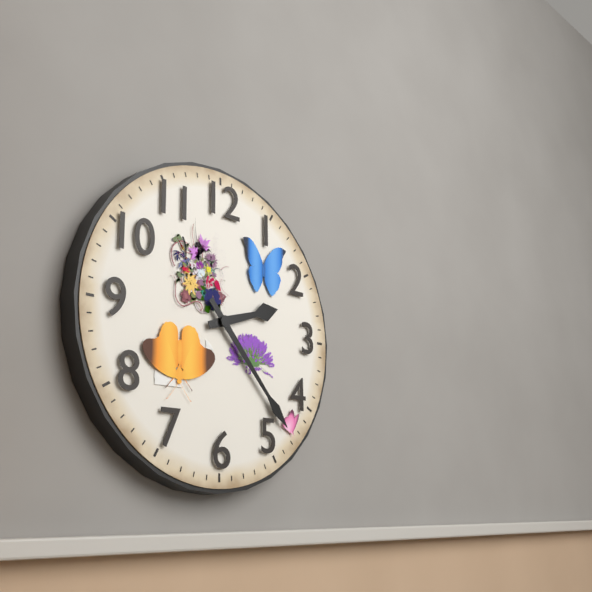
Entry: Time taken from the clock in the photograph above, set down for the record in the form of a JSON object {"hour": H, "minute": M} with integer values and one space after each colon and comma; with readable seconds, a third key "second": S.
{"hour": 2, "minute": 23}
